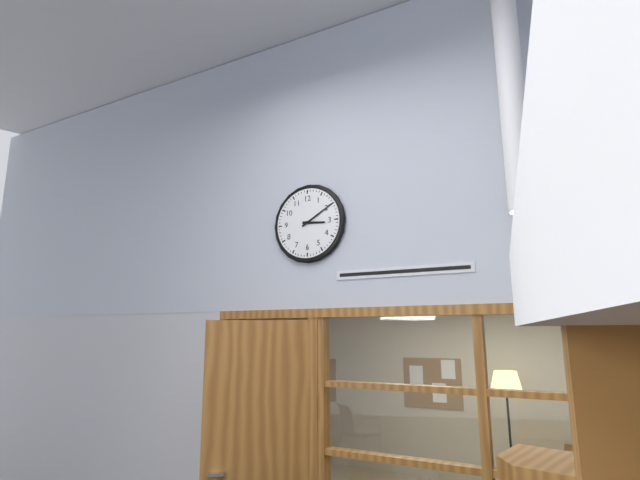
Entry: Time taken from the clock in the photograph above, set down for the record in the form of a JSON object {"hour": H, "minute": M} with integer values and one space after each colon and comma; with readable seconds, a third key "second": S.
{"hour": 3, "minute": 10}
